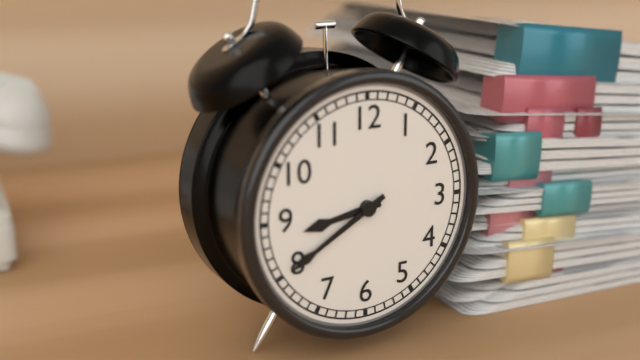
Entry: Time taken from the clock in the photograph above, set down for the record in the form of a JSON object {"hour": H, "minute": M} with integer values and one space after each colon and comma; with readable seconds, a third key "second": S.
{"hour": 8, "minute": 40}
